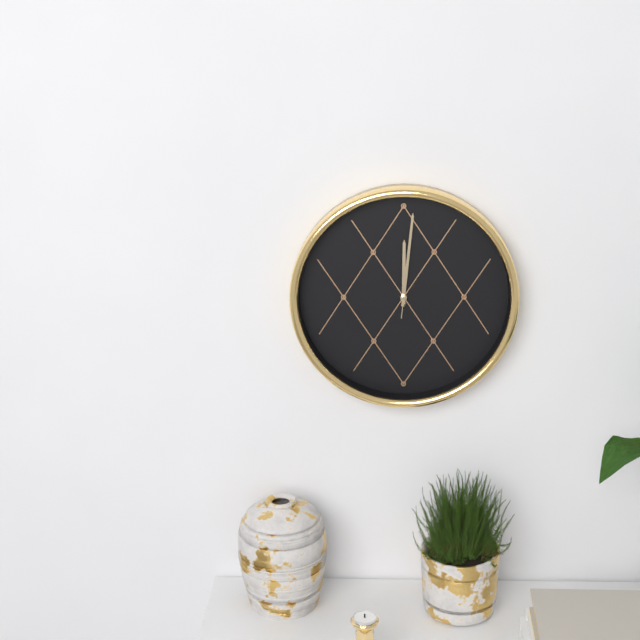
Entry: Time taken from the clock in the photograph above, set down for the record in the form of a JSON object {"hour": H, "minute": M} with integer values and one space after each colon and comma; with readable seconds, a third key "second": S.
{"hour": 12, "minute": 1, "second": 1}
